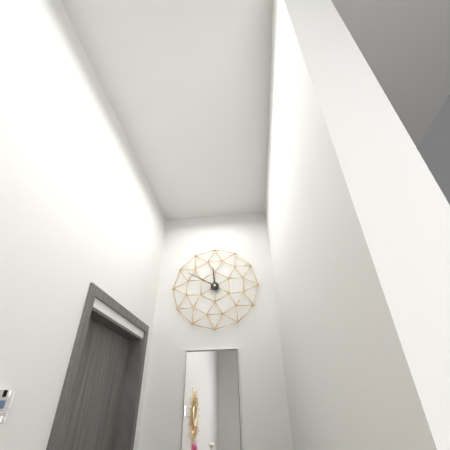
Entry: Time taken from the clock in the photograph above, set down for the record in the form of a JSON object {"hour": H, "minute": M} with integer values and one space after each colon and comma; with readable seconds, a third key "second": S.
{"hour": 11, "minute": 50}
